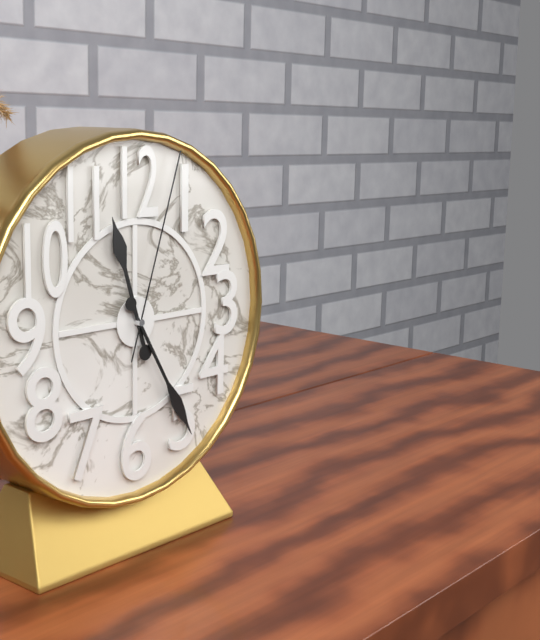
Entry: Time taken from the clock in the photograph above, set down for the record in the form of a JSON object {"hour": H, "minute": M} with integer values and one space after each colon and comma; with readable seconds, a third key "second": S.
{"hour": 11, "minute": 25, "second": 3}
